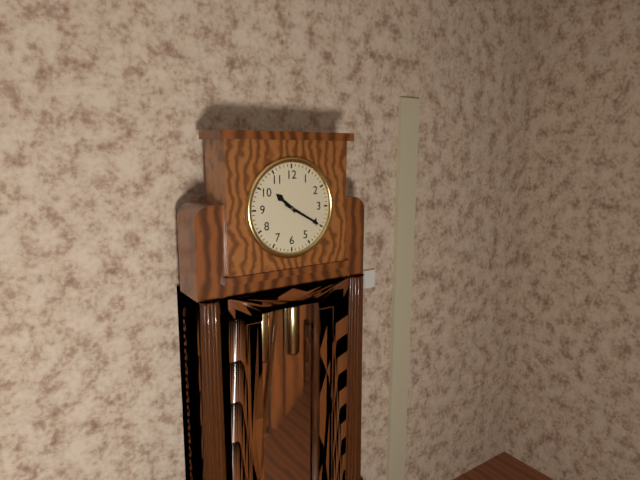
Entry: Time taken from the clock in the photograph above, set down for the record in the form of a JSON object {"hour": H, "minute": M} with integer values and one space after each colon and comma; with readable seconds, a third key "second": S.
{"hour": 10, "minute": 20}
